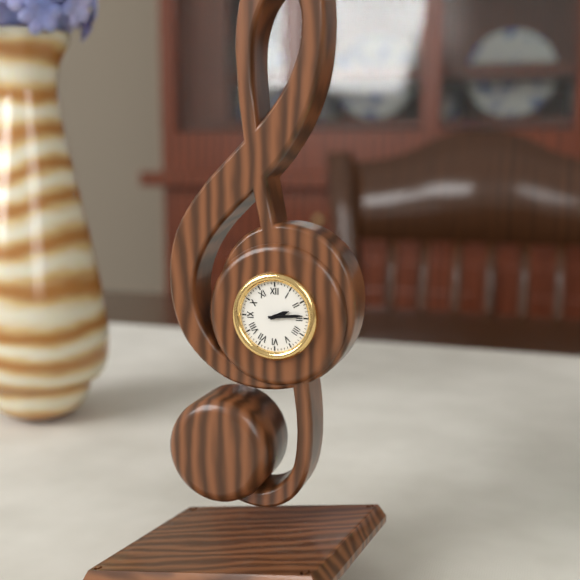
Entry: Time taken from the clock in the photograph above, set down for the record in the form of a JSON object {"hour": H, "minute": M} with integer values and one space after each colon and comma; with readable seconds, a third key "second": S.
{"hour": 2, "minute": 14}
